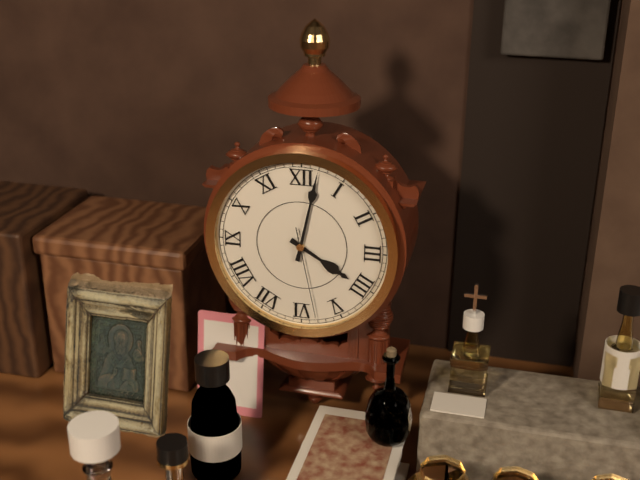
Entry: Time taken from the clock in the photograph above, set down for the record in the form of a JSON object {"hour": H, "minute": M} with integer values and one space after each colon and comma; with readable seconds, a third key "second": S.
{"hour": 4, "minute": 2, "second": 28}
